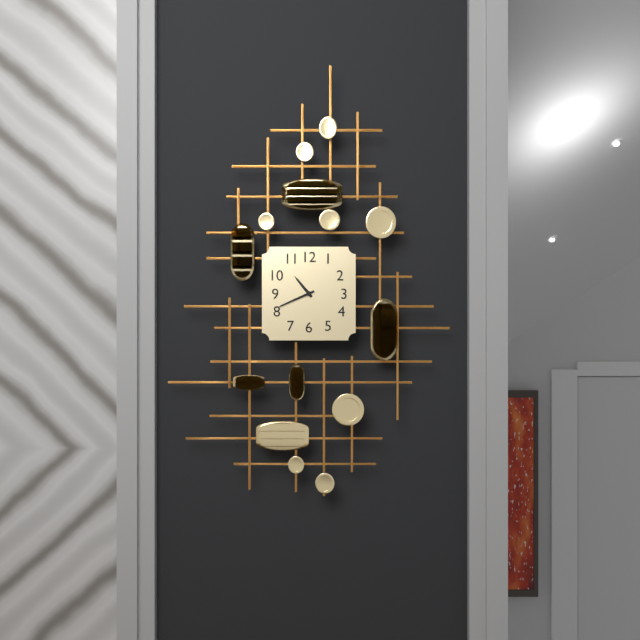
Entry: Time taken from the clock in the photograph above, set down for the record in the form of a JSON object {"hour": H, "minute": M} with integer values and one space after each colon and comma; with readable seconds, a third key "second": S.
{"hour": 10, "minute": 41}
